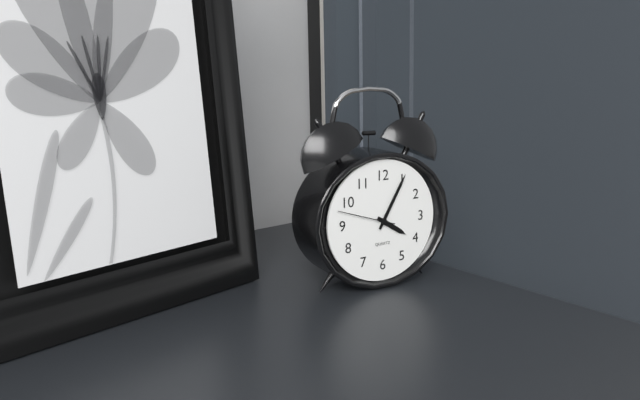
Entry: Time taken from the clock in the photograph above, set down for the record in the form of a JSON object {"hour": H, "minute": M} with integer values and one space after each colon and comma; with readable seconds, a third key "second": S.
{"hour": 4, "minute": 5, "second": 48}
